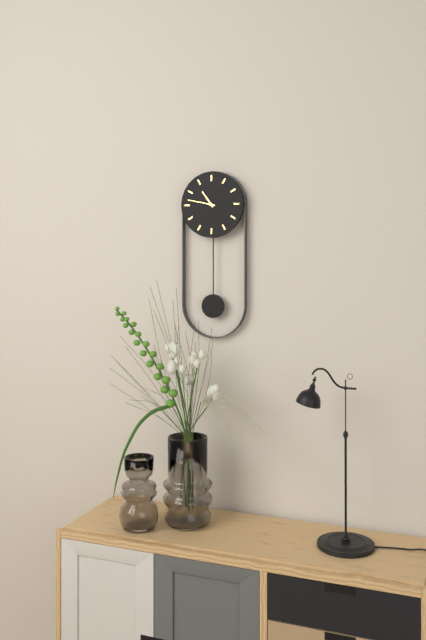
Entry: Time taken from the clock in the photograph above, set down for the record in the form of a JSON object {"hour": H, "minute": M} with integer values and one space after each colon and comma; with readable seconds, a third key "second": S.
{"hour": 10, "minute": 47}
